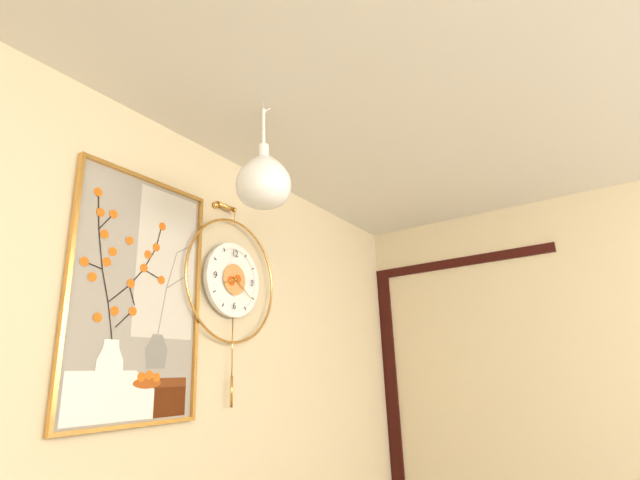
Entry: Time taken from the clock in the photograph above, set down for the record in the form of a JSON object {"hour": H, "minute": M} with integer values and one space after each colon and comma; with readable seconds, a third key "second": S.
{"hour": 8, "minute": 21}
